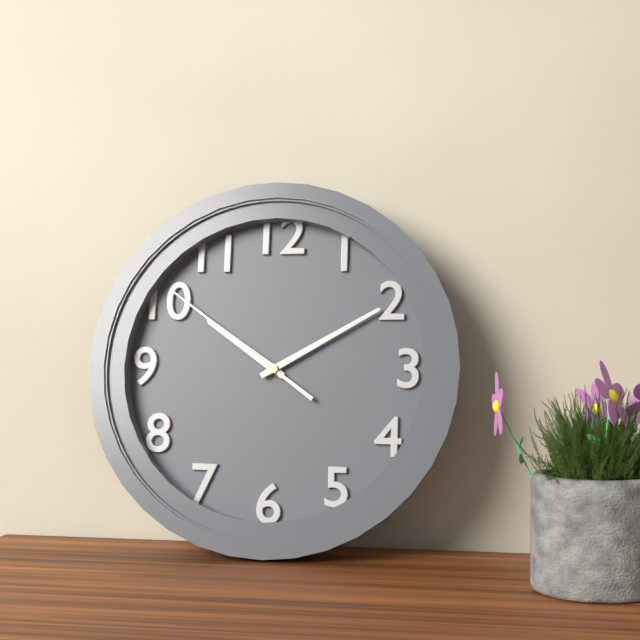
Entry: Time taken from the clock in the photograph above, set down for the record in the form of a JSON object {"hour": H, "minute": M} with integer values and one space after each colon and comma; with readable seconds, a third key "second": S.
{"hour": 10, "minute": 10, "second": 51}
